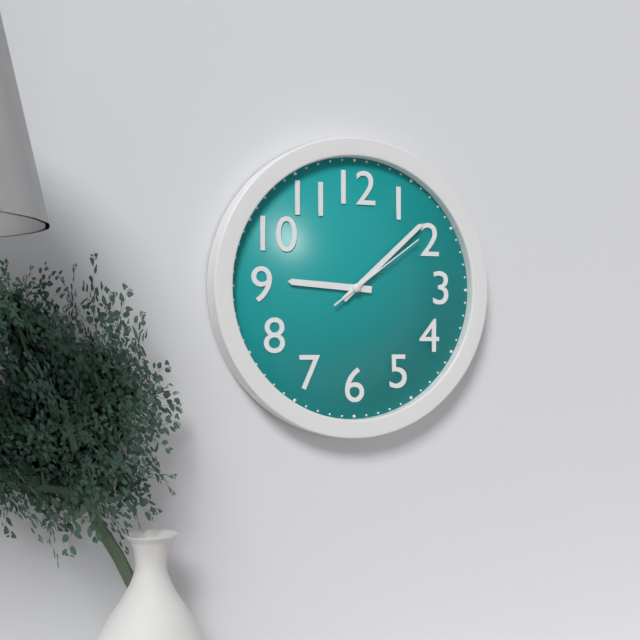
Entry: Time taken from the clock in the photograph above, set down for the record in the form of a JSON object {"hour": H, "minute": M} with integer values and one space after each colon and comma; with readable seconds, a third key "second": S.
{"hour": 9, "minute": 8, "second": 9}
